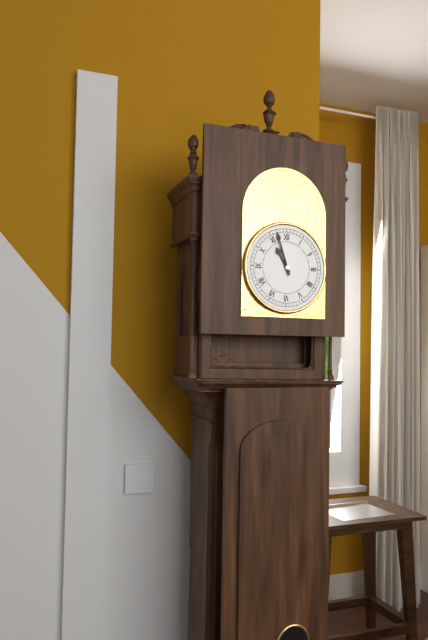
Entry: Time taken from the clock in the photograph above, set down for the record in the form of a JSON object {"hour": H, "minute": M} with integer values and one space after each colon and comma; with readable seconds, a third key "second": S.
{"hour": 10, "minute": 57}
